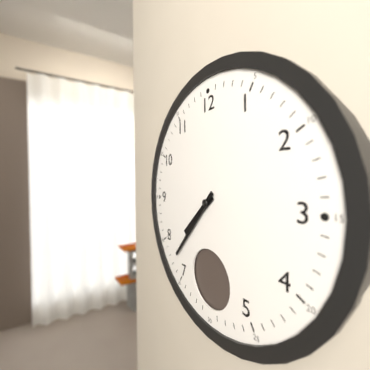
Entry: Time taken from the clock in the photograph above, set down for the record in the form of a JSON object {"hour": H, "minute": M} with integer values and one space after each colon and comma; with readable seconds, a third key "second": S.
{"hour": 7, "minute": 37}
